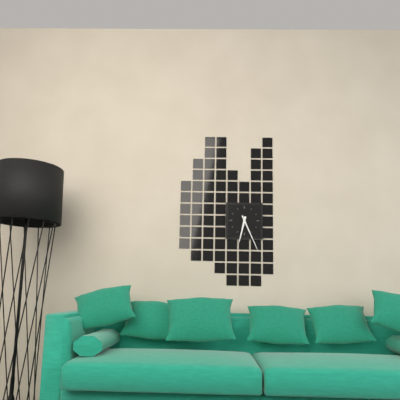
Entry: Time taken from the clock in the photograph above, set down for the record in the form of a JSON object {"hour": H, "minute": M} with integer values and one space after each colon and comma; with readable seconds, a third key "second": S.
{"hour": 6, "minute": 26}
